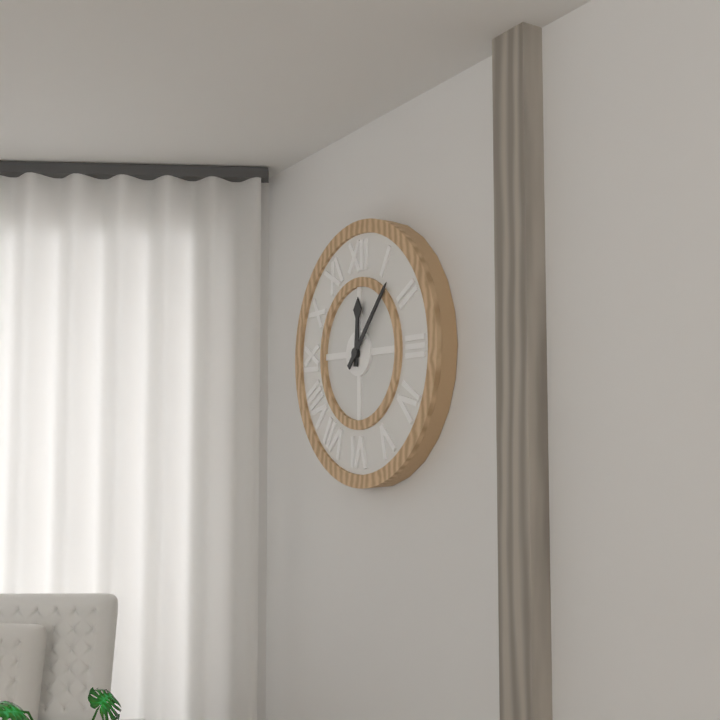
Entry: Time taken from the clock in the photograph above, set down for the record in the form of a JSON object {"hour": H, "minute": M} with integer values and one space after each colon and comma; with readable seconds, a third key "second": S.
{"hour": 12, "minute": 7}
